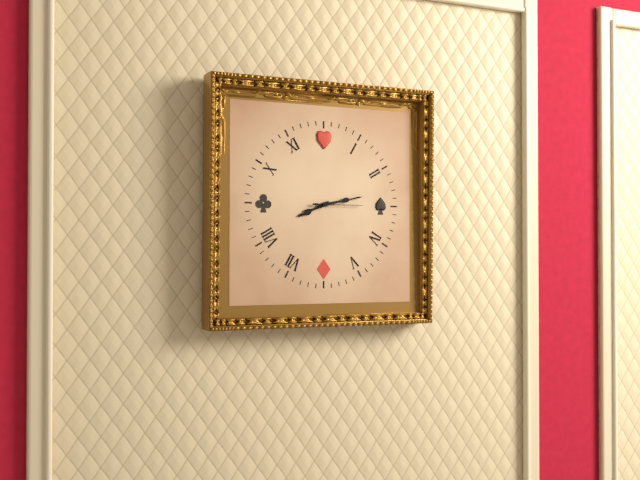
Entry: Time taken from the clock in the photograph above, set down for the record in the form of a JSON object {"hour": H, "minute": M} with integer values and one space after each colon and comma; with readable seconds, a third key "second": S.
{"hour": 8, "minute": 13}
